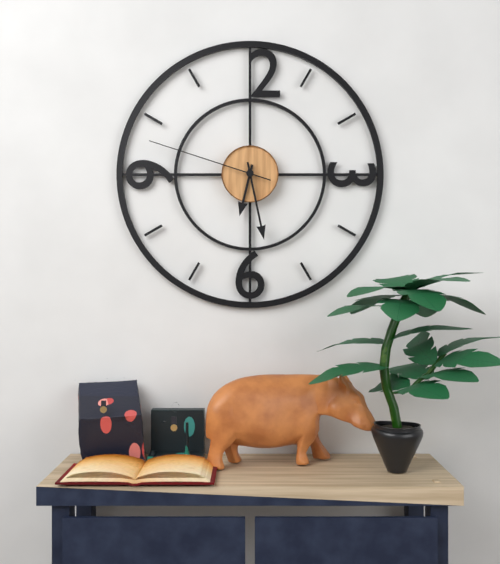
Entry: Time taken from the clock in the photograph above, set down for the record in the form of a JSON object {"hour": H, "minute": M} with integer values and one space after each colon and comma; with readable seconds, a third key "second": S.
{"hour": 6, "minute": 28, "second": 48}
